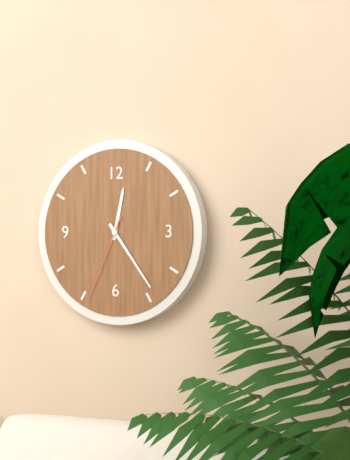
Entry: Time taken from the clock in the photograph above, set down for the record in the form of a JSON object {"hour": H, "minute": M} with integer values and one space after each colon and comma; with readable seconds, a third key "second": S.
{"hour": 12, "minute": 24, "second": 34}
